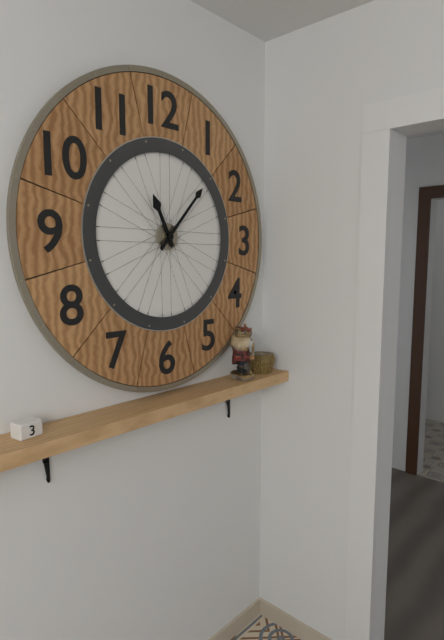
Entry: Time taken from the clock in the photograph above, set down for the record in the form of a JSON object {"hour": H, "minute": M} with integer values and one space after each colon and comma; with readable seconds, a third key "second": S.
{"hour": 11, "minute": 7}
